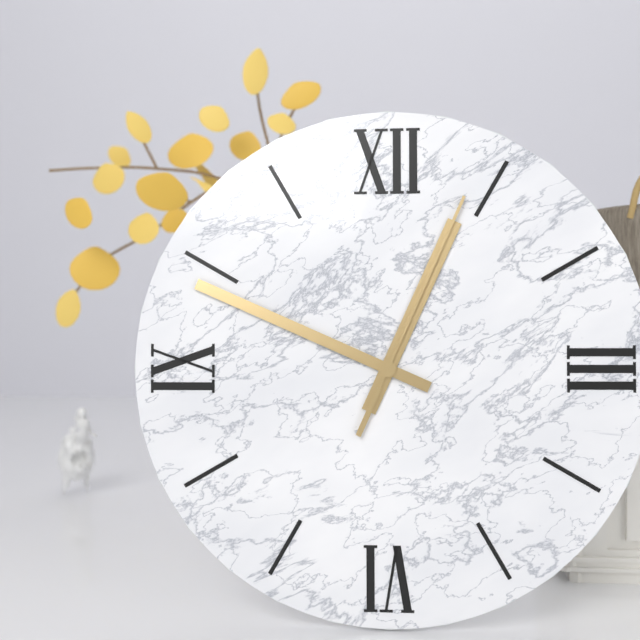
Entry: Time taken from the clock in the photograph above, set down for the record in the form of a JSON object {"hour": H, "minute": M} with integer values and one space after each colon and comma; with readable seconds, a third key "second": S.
{"hour": 12, "minute": 49, "second": 4}
